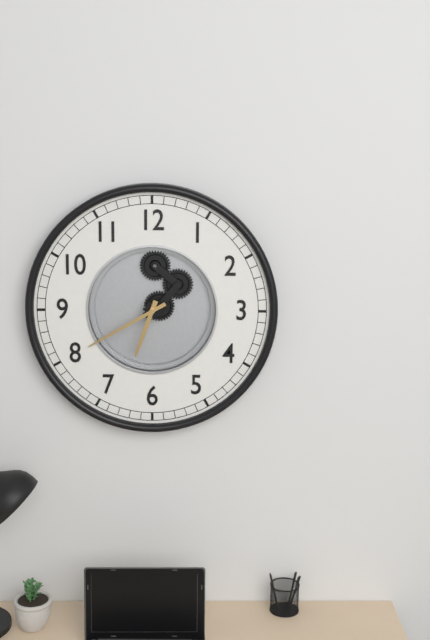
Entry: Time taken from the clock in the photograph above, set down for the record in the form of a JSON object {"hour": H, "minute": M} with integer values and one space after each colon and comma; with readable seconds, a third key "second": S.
{"hour": 6, "minute": 40}
